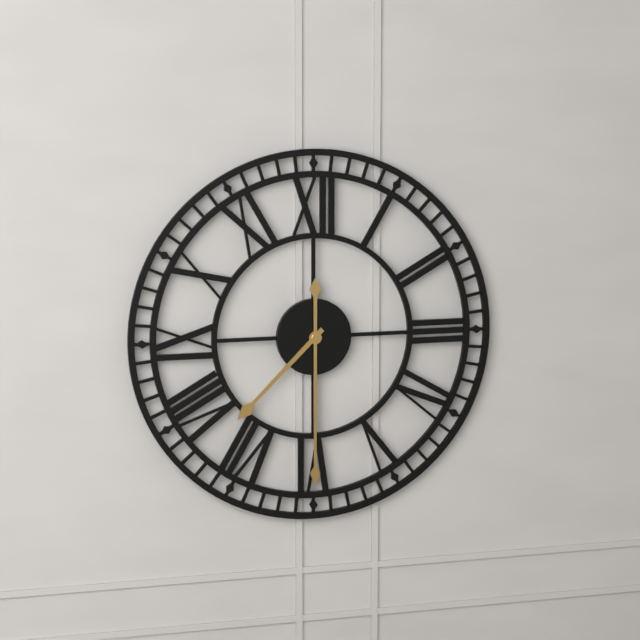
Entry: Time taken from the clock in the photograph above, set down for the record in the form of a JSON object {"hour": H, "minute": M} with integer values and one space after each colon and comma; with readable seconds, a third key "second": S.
{"hour": 7, "minute": 30}
